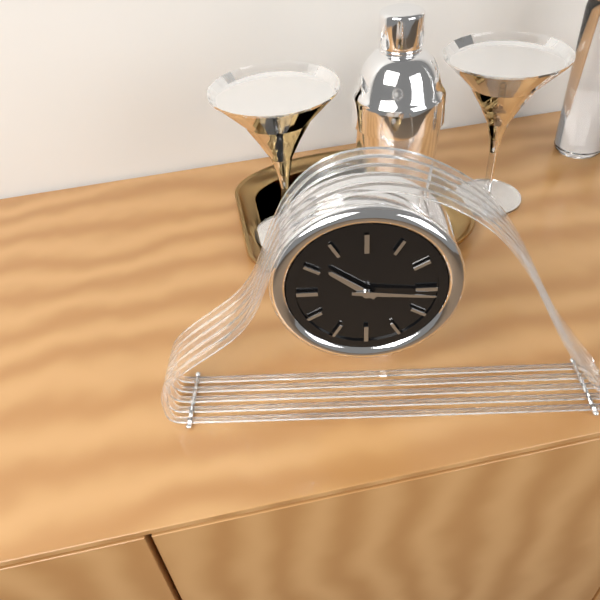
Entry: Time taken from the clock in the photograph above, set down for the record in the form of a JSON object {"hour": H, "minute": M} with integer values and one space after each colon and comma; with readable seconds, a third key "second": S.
{"hour": 10, "minute": 16}
